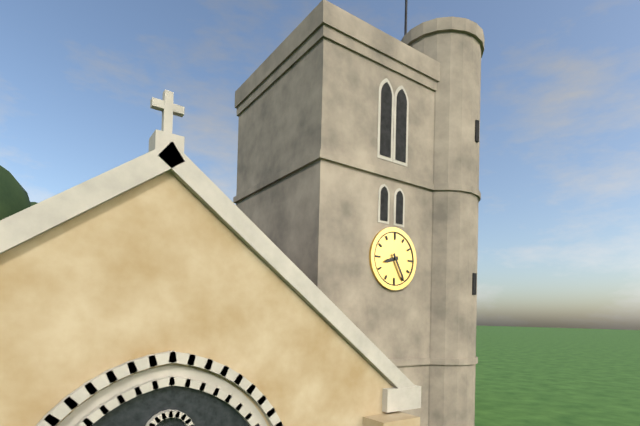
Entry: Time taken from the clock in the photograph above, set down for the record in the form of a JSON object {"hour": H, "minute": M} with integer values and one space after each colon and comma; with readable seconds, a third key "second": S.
{"hour": 8, "minute": 25}
